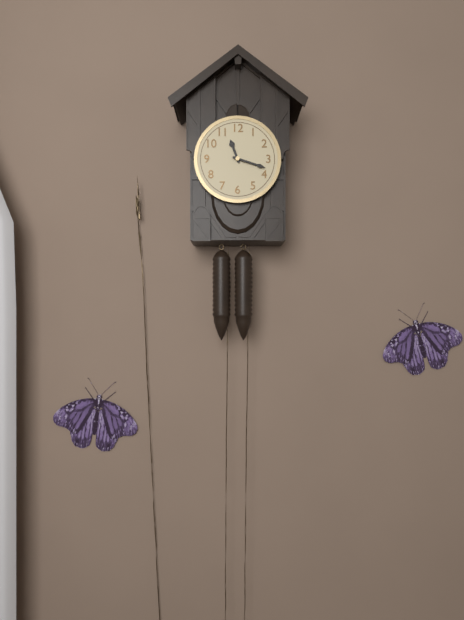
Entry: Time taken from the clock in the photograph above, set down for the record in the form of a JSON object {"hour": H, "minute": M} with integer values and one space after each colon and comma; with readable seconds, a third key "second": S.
{"hour": 11, "minute": 18}
